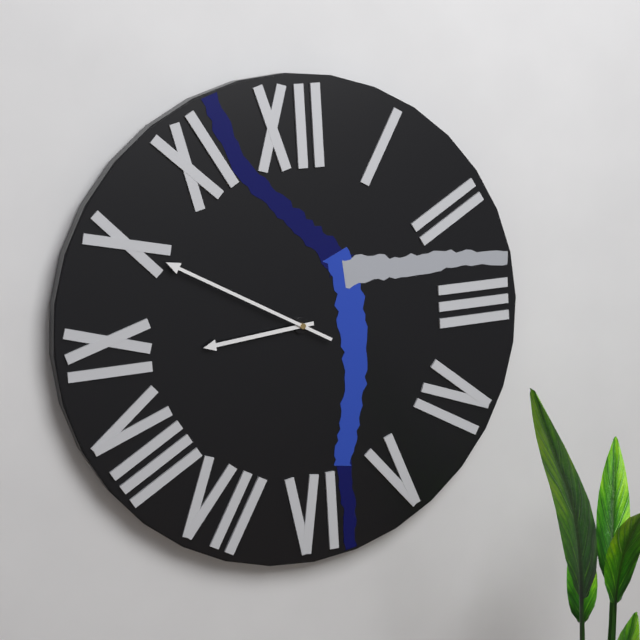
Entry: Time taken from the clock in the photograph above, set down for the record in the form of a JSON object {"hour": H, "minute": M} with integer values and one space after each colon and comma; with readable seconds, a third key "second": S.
{"hour": 8, "minute": 50}
